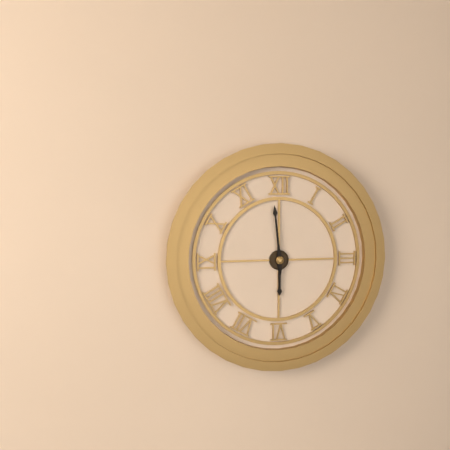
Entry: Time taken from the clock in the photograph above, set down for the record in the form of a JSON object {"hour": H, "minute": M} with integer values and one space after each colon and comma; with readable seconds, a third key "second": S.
{"hour": 5, "minute": 59}
